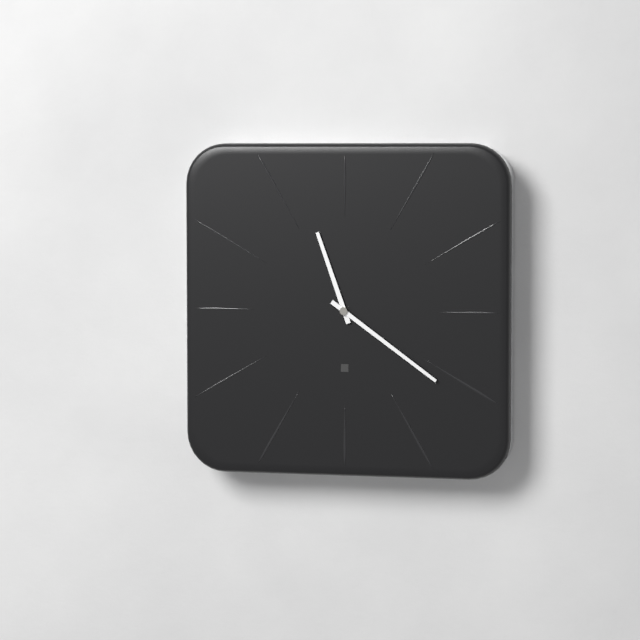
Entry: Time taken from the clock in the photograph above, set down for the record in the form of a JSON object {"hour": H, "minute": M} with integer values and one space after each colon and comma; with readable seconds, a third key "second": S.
{"hour": 11, "minute": 21}
